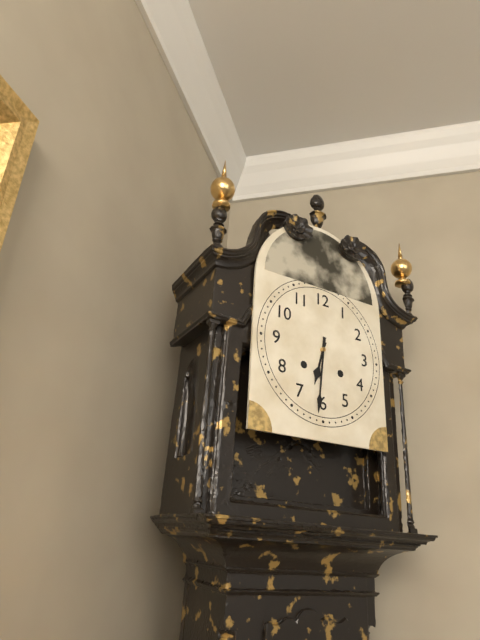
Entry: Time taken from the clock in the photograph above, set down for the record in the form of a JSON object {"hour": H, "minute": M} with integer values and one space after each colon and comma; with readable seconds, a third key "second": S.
{"hour": 6, "minute": 31}
